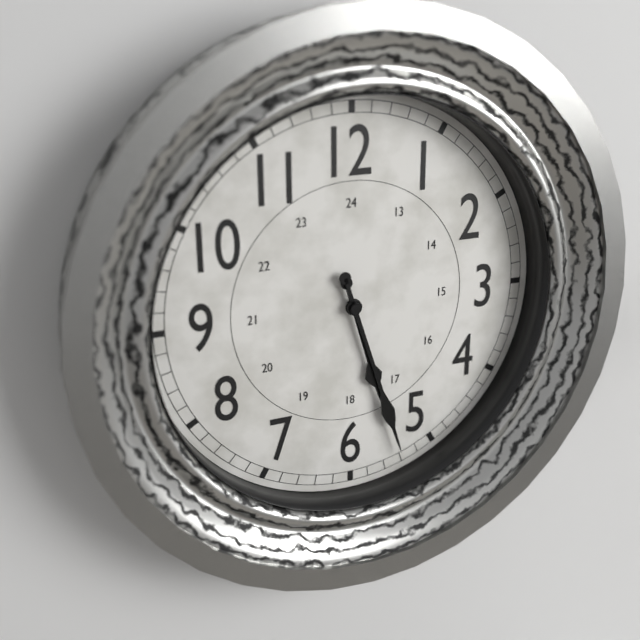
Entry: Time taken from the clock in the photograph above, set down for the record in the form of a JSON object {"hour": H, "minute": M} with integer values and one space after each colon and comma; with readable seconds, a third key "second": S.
{"hour": 5, "minute": 27}
